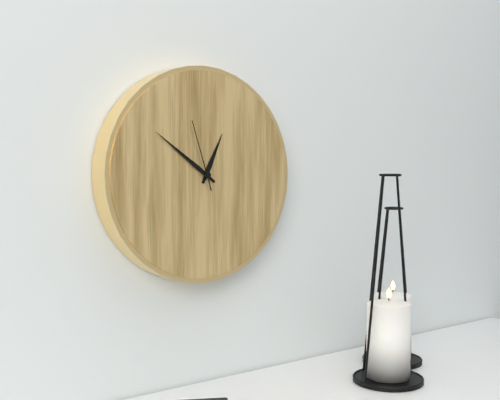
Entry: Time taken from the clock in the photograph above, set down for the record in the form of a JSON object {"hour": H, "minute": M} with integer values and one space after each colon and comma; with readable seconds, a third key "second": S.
{"hour": 12, "minute": 51, "second": 57}
